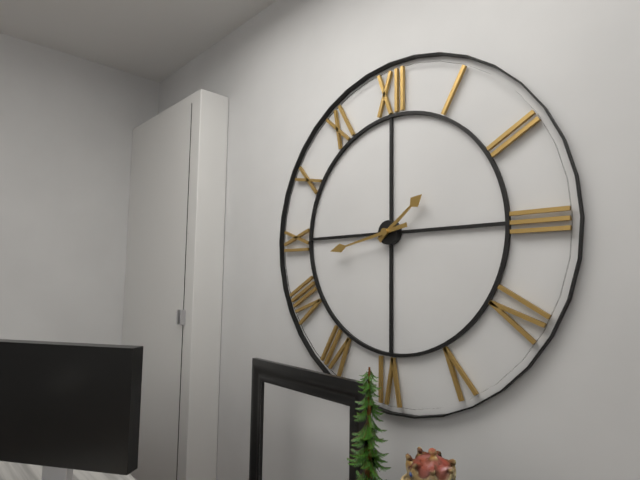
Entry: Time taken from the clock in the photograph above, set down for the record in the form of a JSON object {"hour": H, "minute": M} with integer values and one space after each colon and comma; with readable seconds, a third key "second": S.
{"hour": 1, "minute": 43}
